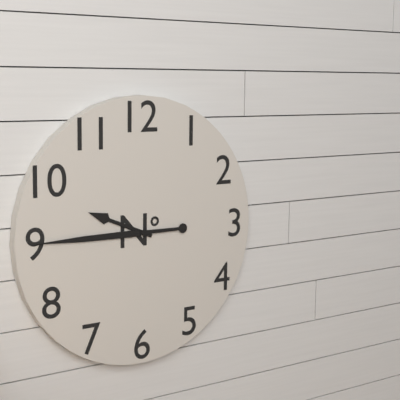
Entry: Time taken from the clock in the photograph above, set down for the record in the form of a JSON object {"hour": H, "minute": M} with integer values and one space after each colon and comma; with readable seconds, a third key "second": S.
{"hour": 9, "minute": 45}
